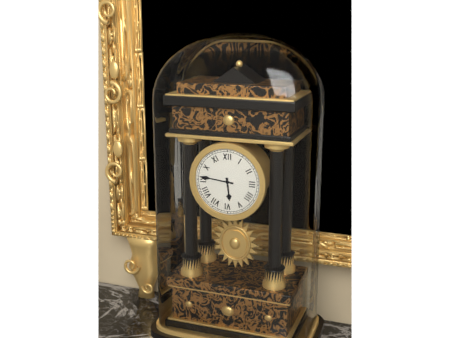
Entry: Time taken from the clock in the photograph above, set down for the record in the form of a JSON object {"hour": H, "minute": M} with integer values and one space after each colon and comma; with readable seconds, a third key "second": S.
{"hour": 5, "minute": 46}
